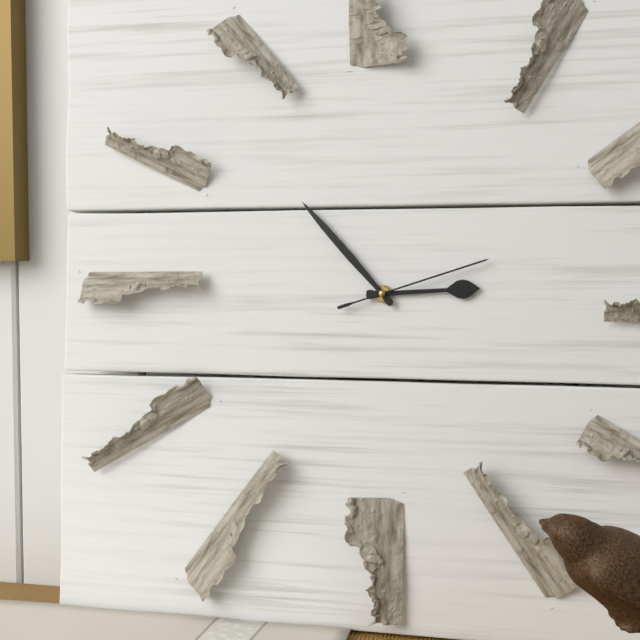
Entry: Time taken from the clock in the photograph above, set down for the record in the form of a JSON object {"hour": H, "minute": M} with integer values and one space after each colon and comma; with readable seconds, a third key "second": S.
{"hour": 2, "minute": 53, "second": 12}
